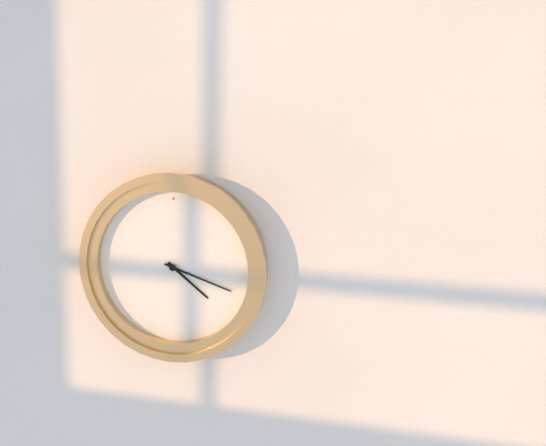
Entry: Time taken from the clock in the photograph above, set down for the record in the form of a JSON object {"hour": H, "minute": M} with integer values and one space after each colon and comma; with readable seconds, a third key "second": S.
{"hour": 4, "minute": 18}
